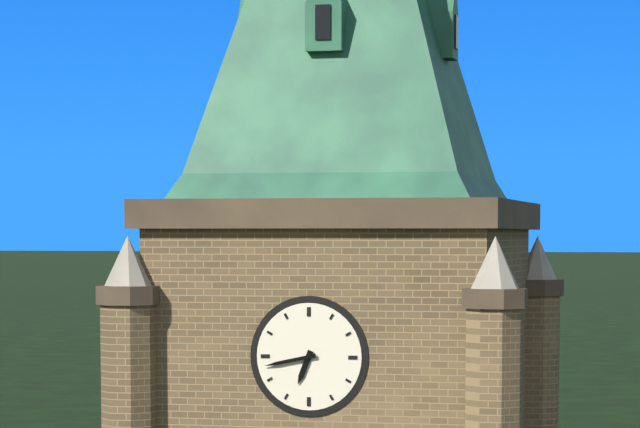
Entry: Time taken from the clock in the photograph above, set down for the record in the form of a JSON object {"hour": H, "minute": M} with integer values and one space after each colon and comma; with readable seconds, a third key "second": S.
{"hour": 6, "minute": 43}
